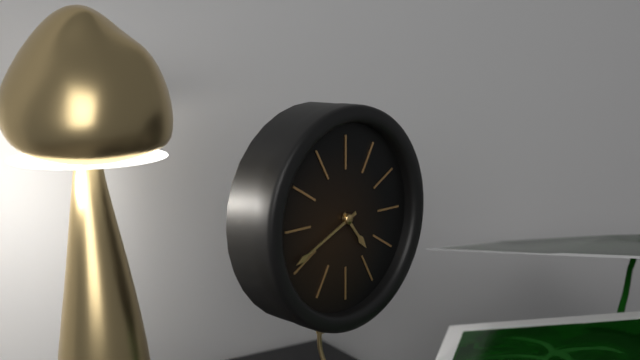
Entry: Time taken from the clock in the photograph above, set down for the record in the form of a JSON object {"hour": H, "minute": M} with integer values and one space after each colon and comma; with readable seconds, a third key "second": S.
{"hour": 4, "minute": 41}
